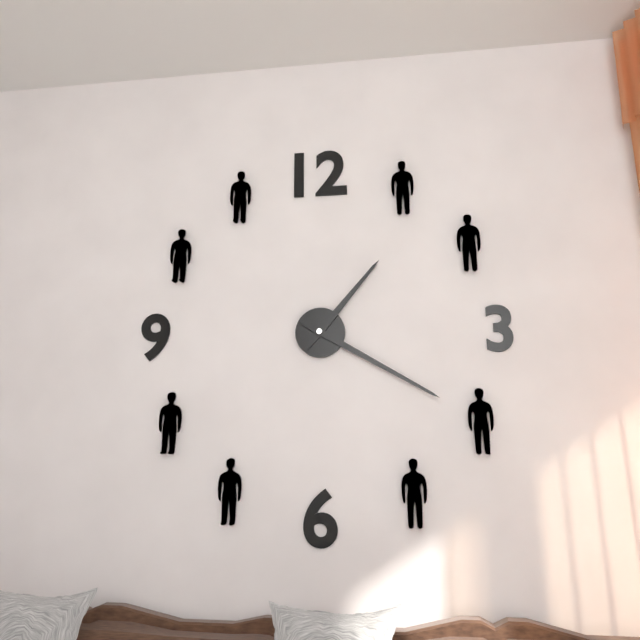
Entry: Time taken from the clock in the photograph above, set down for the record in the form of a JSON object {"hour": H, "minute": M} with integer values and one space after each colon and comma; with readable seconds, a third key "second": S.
{"hour": 1, "minute": 20}
